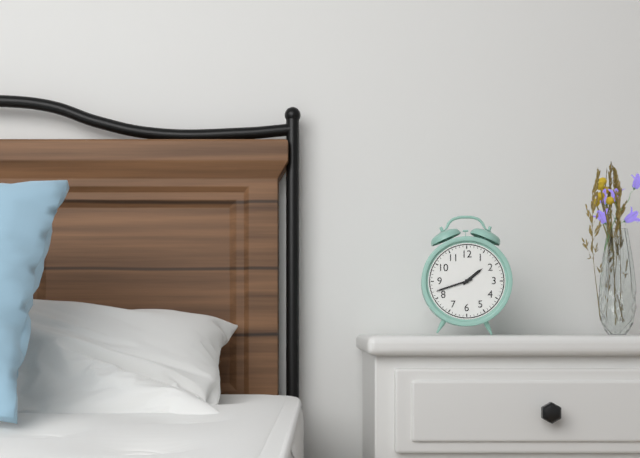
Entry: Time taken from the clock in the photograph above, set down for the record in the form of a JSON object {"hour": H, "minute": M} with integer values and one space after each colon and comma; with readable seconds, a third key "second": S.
{"hour": 1, "minute": 42}
